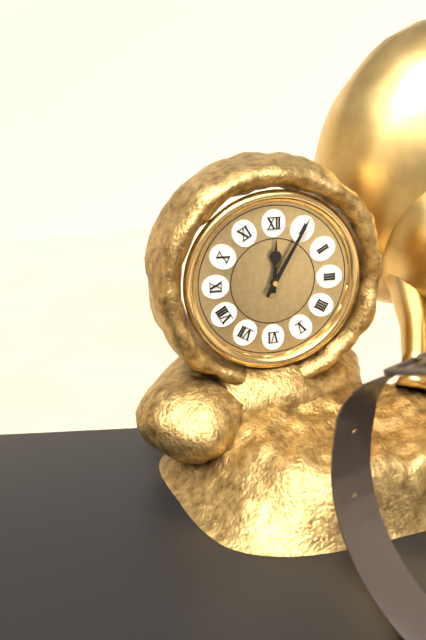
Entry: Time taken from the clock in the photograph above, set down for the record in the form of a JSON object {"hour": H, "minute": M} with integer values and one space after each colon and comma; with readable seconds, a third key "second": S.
{"hour": 12, "minute": 5}
